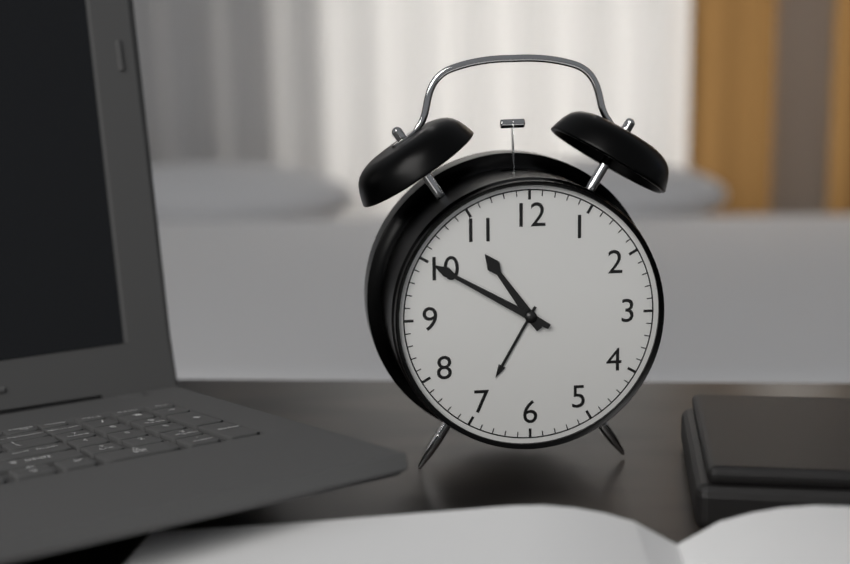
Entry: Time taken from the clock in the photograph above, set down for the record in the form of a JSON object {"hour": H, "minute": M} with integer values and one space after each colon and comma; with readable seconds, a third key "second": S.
{"hour": 10, "minute": 50}
